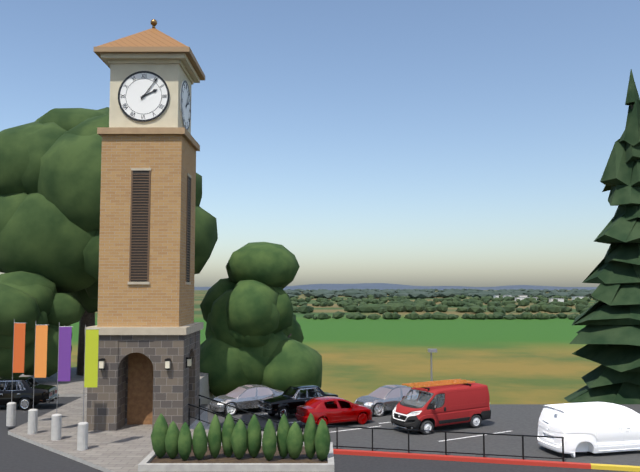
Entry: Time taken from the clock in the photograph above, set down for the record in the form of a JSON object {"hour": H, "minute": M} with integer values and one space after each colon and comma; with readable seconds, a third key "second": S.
{"hour": 2, "minute": 6}
